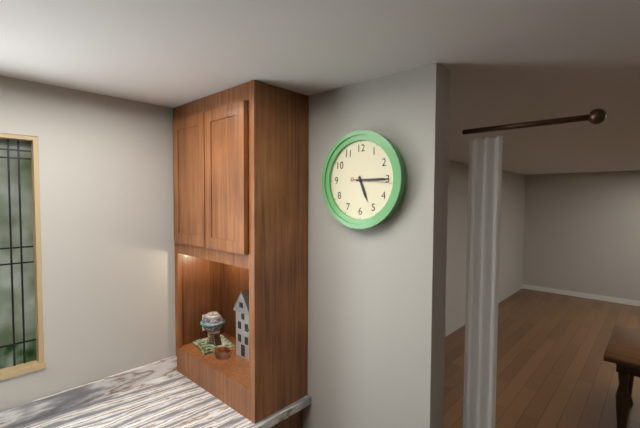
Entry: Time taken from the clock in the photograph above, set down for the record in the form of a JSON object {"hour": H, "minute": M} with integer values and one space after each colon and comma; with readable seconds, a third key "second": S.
{"hour": 5, "minute": 15}
